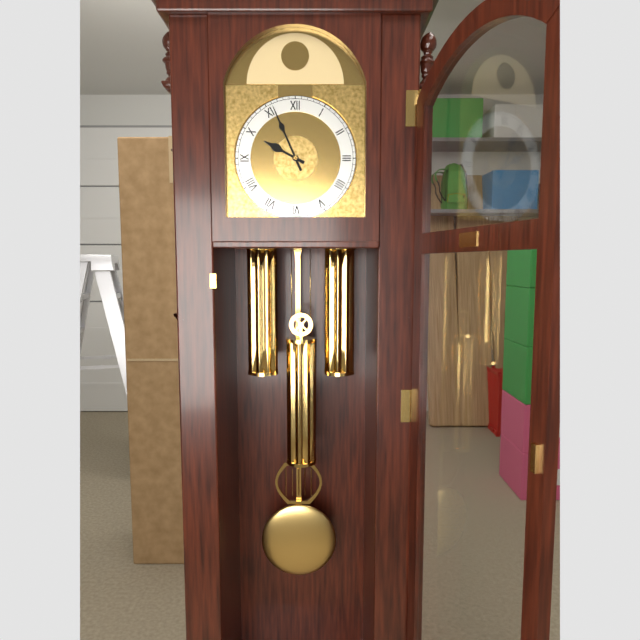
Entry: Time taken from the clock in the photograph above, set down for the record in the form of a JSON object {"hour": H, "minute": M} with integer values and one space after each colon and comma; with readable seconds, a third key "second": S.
{"hour": 9, "minute": 56}
